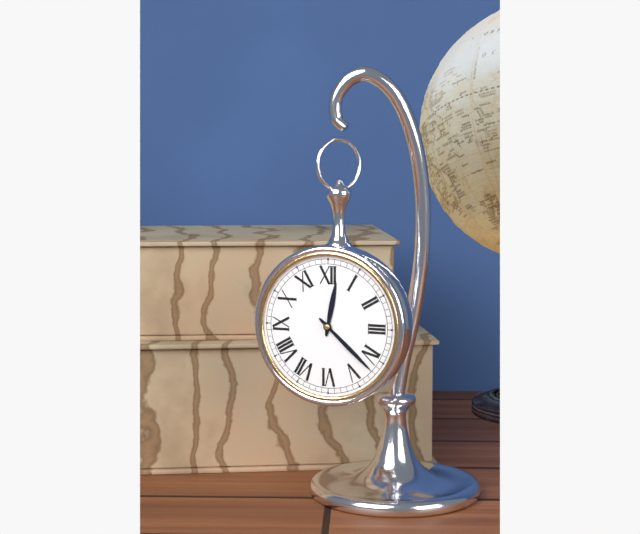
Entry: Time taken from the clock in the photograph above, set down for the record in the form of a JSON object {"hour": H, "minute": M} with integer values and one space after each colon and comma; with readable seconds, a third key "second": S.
{"hour": 12, "minute": 22}
